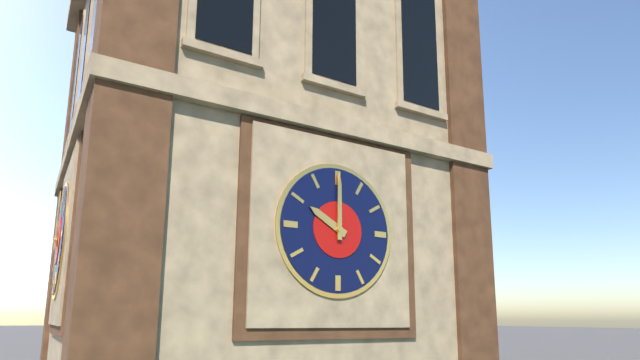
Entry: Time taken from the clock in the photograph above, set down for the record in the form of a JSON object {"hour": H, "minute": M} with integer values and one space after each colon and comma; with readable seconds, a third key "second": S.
{"hour": 10, "minute": 0}
